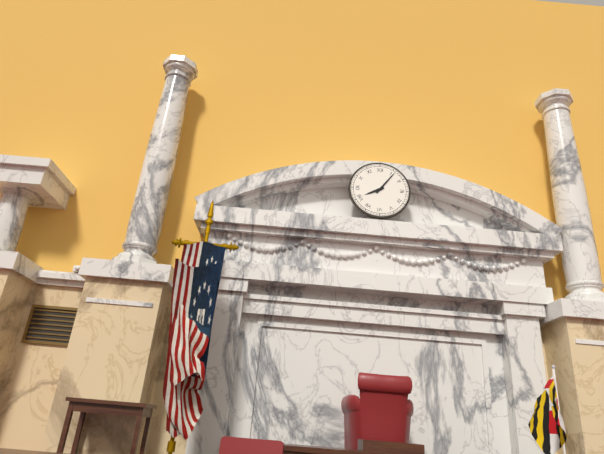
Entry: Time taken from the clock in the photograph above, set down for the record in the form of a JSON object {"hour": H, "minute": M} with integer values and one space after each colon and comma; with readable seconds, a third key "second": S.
{"hour": 8, "minute": 6}
